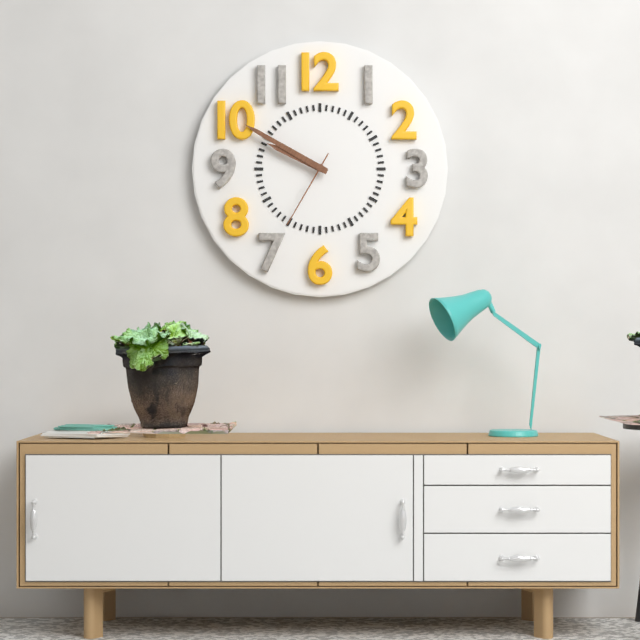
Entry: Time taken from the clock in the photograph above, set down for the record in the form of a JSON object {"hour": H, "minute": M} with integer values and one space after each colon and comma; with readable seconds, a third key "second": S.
{"hour": 9, "minute": 50, "second": 35}
